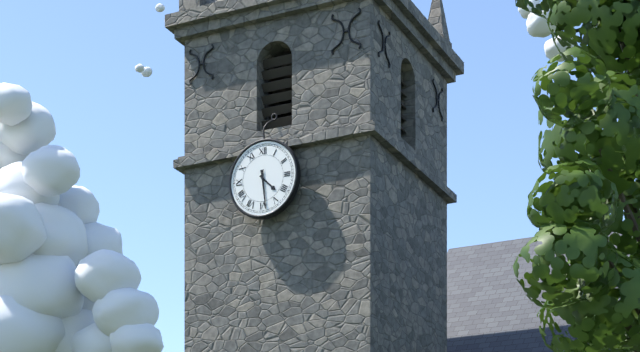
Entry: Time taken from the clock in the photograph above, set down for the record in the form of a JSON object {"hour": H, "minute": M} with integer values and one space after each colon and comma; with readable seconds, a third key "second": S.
{"hour": 4, "minute": 29}
